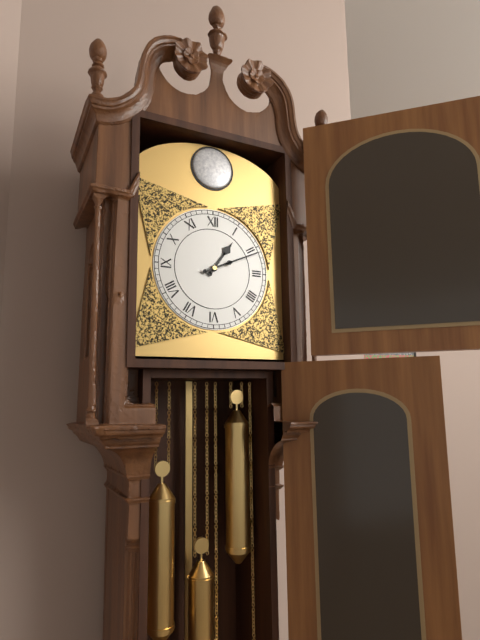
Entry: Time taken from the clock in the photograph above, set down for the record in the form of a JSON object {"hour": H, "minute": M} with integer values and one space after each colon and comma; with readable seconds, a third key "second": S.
{"hour": 1, "minute": 11}
